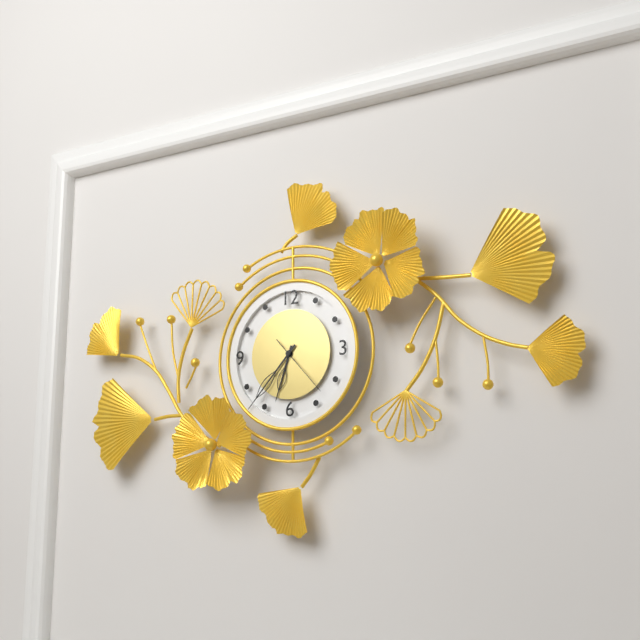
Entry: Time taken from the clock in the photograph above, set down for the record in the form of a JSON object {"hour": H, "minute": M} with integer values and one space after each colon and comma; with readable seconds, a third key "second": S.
{"hour": 6, "minute": 37, "second": 23}
